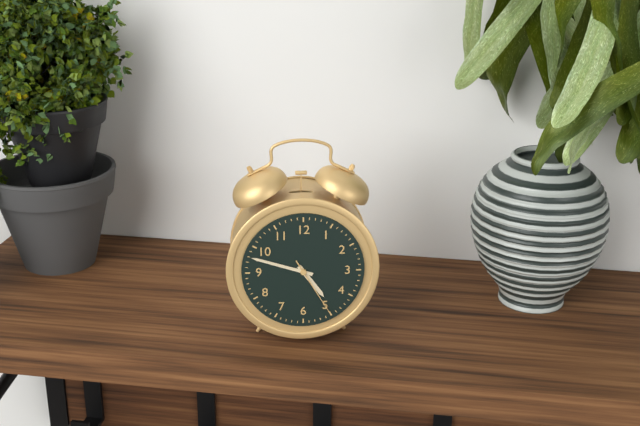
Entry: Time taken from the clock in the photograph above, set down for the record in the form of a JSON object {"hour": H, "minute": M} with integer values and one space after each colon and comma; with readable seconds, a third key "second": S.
{"hour": 4, "minute": 48, "second": 25}
